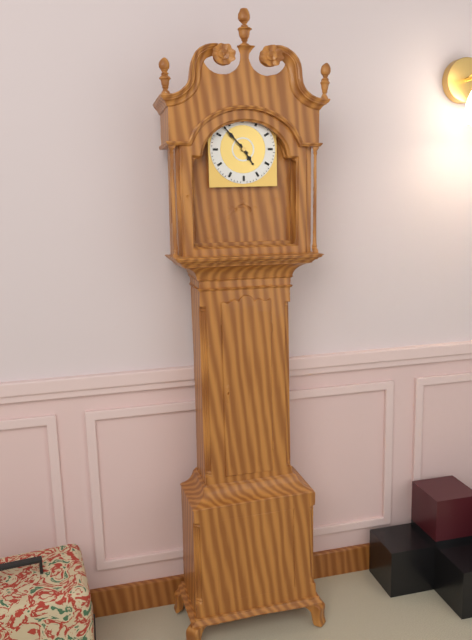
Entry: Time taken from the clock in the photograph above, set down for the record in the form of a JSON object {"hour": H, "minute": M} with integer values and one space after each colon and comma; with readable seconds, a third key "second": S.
{"hour": 4, "minute": 53}
